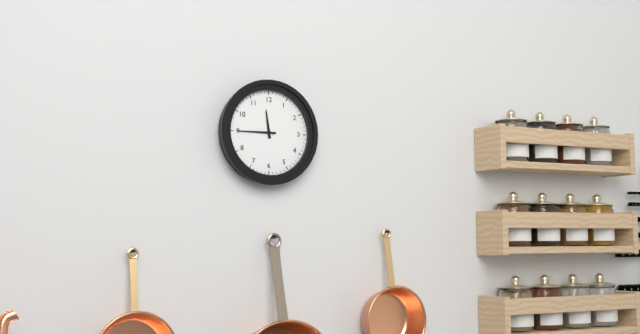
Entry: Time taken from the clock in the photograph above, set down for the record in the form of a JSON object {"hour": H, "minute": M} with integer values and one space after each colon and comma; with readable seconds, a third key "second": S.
{"hour": 11, "minute": 45}
